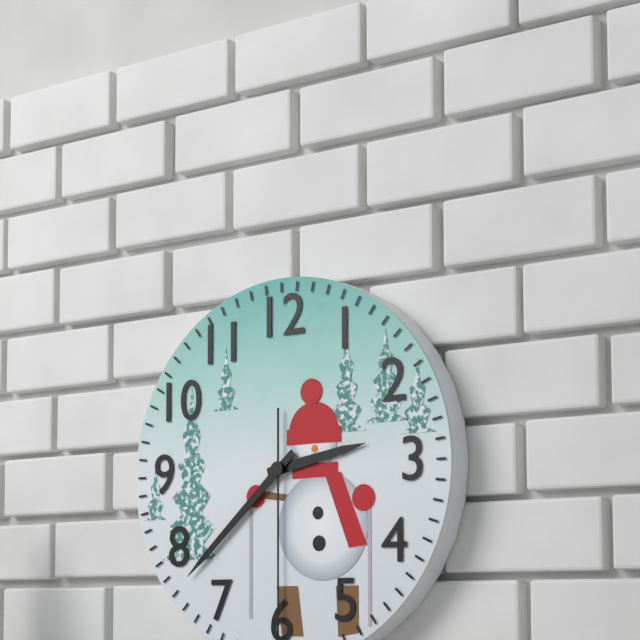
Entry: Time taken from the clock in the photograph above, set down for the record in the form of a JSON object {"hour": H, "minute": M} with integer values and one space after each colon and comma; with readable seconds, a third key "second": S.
{"hour": 2, "minute": 38, "second": 30}
